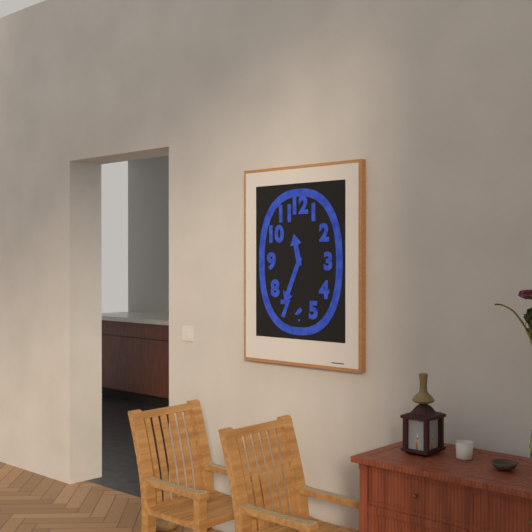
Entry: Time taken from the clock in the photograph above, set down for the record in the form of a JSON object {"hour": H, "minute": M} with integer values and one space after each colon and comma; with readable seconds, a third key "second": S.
{"hour": 11, "minute": 34}
